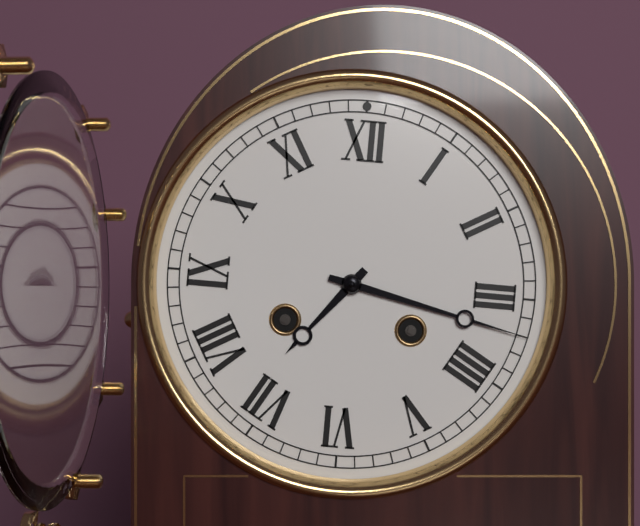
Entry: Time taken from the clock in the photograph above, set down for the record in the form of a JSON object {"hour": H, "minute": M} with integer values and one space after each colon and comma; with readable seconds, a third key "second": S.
{"hour": 7, "minute": 17}
